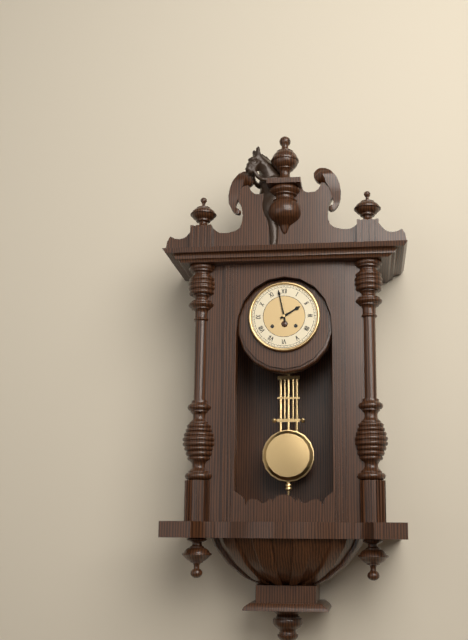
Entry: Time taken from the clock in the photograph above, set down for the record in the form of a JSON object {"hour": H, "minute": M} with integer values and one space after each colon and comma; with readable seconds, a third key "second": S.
{"hour": 1, "minute": 58}
